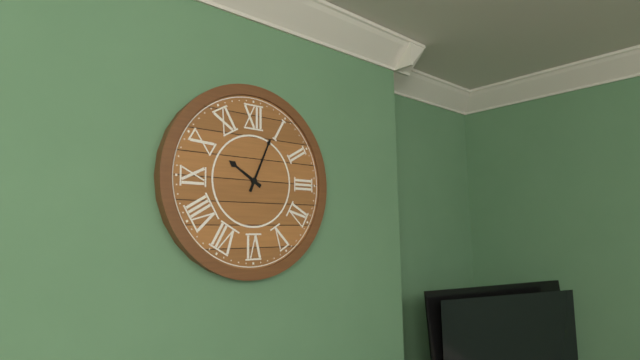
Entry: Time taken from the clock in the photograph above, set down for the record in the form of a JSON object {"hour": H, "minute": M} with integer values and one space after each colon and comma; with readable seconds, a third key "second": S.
{"hour": 10, "minute": 4}
